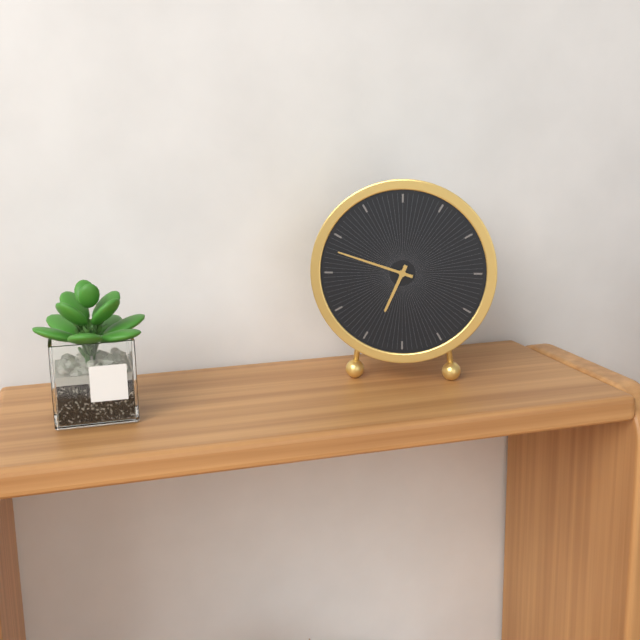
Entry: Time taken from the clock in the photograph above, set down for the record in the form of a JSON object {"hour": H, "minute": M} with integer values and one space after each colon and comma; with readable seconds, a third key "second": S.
{"hour": 6, "minute": 48}
